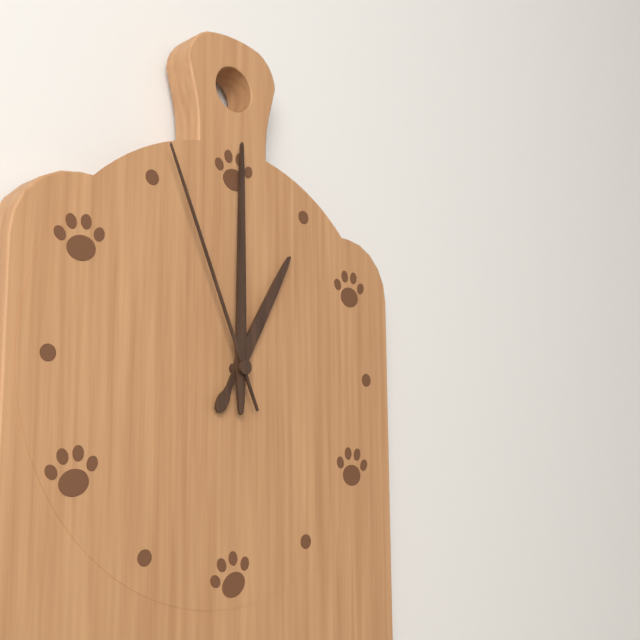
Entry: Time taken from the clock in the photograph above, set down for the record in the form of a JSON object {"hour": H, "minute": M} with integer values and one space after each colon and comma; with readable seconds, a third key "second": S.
{"hour": 1, "minute": 0, "second": 56}
